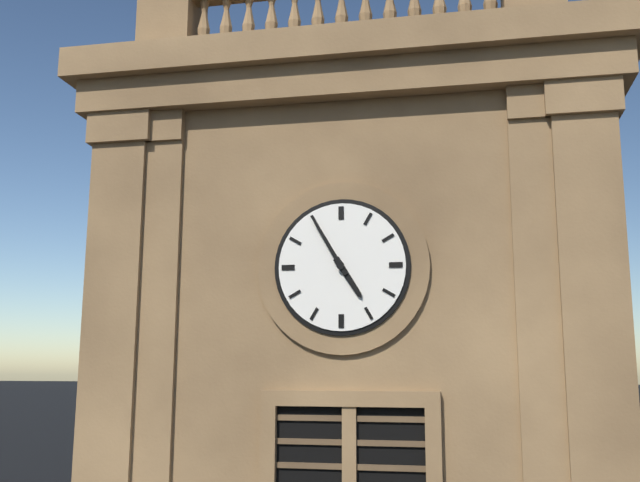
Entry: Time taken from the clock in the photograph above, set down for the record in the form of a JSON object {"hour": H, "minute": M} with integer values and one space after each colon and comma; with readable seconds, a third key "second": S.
{"hour": 4, "minute": 55}
